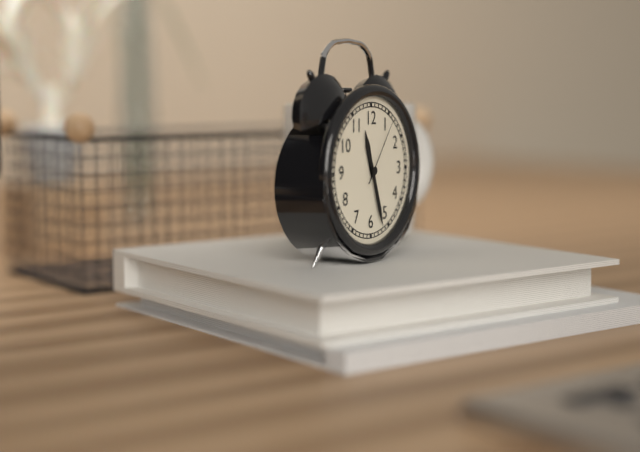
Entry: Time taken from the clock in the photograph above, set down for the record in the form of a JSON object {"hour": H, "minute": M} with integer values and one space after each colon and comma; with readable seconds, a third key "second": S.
{"hour": 11, "minute": 27, "second": 6}
